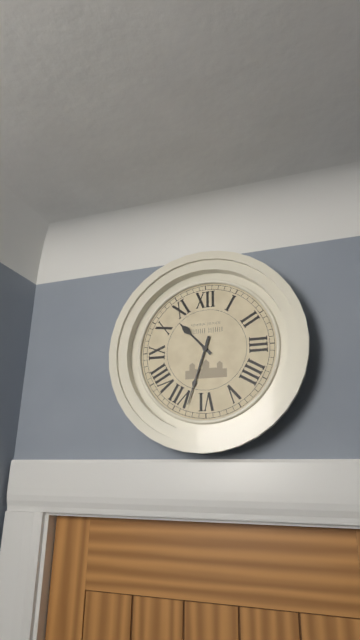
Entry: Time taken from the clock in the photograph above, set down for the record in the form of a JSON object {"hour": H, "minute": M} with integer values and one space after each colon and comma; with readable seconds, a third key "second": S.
{"hour": 10, "minute": 33}
